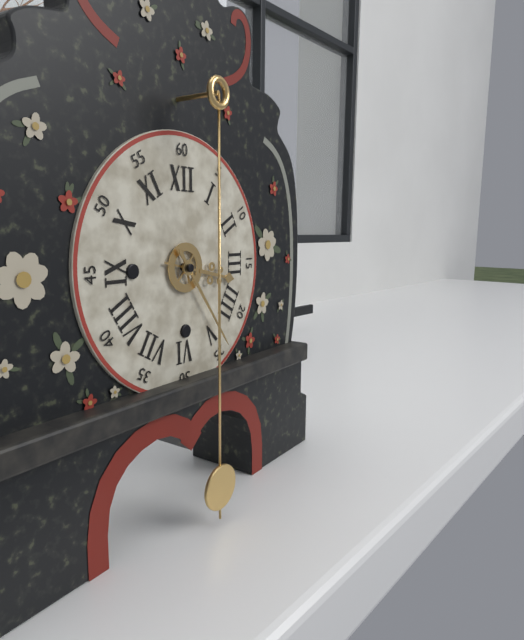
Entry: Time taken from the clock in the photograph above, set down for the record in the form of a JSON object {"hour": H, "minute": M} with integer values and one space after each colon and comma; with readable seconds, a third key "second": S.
{"hour": 3, "minute": 24}
